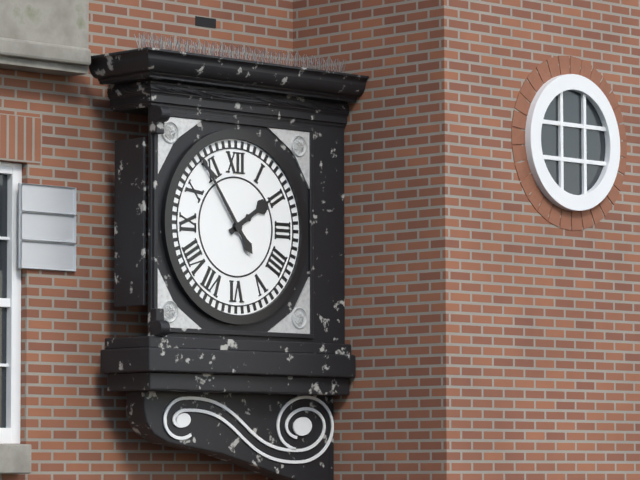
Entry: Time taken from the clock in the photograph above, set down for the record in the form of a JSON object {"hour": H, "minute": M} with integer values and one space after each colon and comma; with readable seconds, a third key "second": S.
{"hour": 1, "minute": 54}
